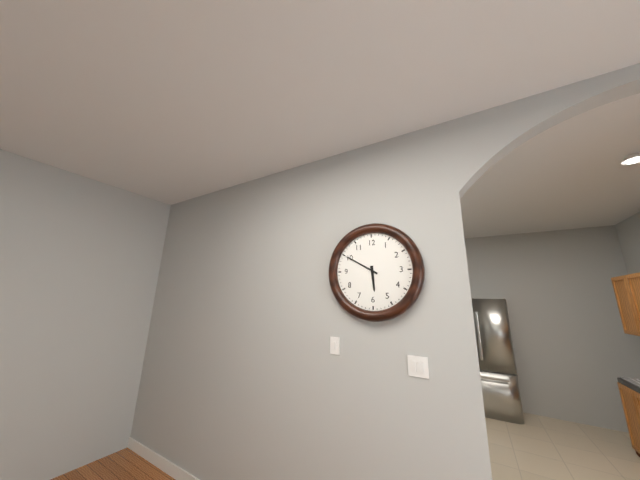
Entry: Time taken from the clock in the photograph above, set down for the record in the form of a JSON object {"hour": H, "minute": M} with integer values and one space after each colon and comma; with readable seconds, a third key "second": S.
{"hour": 5, "minute": 50}
